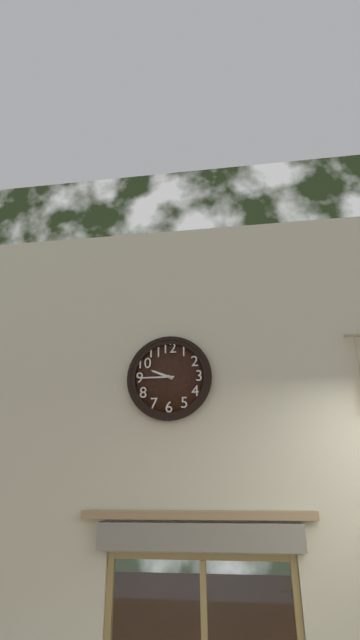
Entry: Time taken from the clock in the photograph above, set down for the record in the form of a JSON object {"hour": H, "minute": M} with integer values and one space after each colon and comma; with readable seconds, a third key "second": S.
{"hour": 9, "minute": 45}
